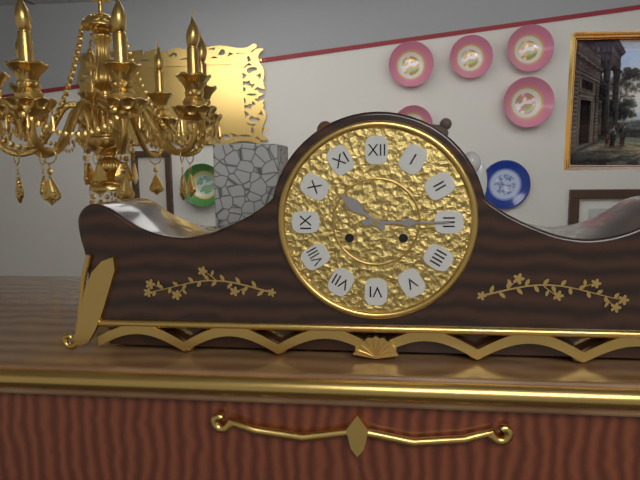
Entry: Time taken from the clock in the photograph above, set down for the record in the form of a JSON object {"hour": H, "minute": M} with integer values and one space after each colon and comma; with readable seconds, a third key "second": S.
{"hour": 10, "minute": 15}
